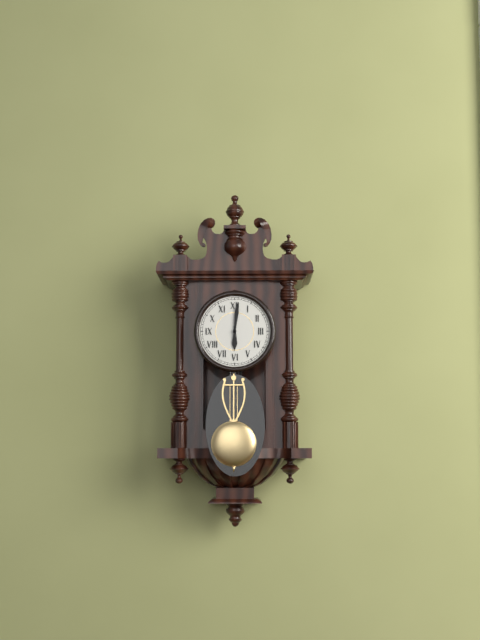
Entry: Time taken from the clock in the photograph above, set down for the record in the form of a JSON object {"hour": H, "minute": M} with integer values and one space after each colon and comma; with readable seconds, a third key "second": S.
{"hour": 6, "minute": 1}
